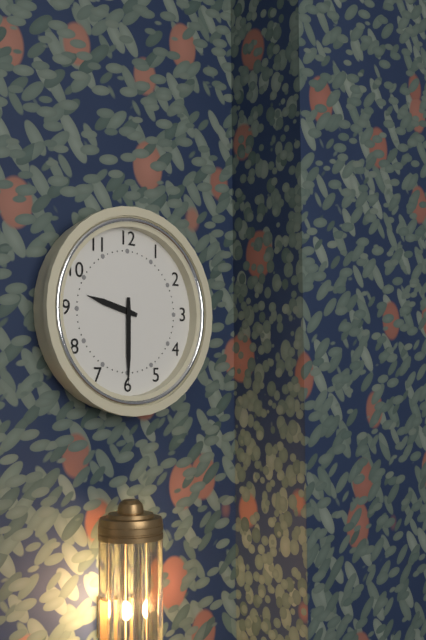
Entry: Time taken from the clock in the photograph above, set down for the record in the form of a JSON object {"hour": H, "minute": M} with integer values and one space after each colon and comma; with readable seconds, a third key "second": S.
{"hour": 9, "minute": 30}
